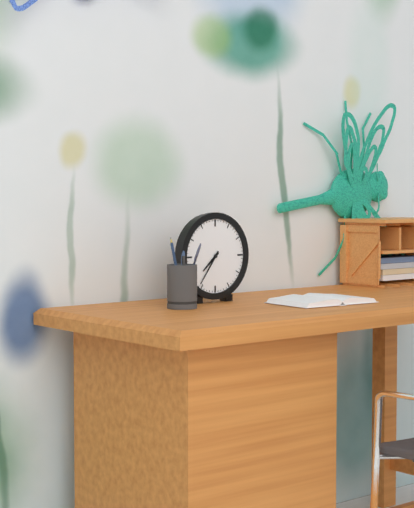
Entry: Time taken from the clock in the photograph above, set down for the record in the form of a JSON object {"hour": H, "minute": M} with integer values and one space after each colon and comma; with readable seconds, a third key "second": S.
{"hour": 7, "minute": 36}
